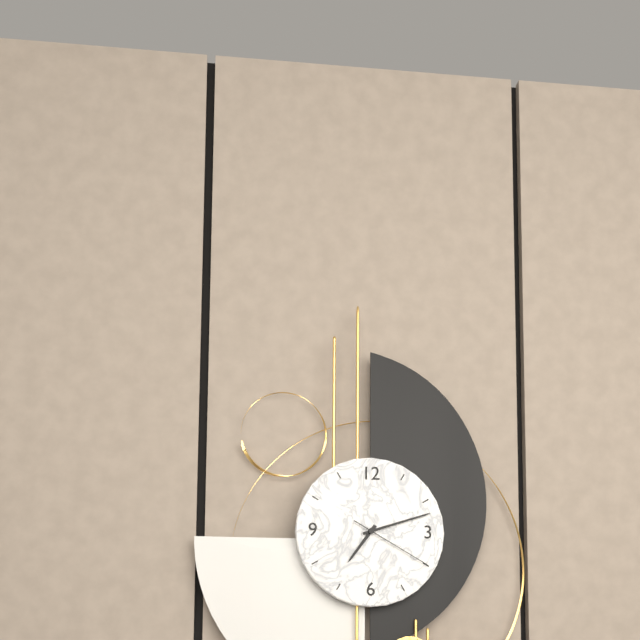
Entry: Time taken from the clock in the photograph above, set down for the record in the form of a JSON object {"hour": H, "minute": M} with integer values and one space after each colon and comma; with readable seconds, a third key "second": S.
{"hour": 7, "minute": 12, "second": 20}
